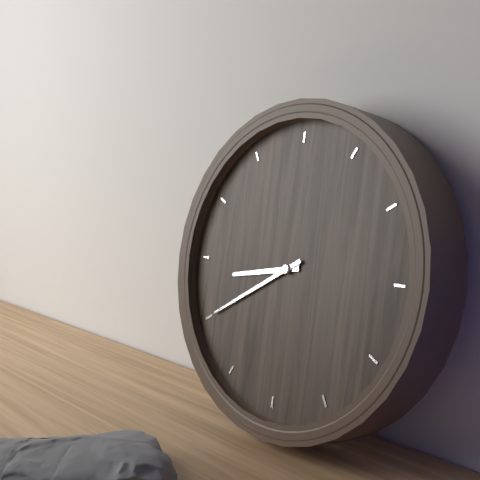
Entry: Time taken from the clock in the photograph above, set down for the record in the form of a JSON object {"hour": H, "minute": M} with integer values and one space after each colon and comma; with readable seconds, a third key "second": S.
{"hour": 8, "minute": 40}
